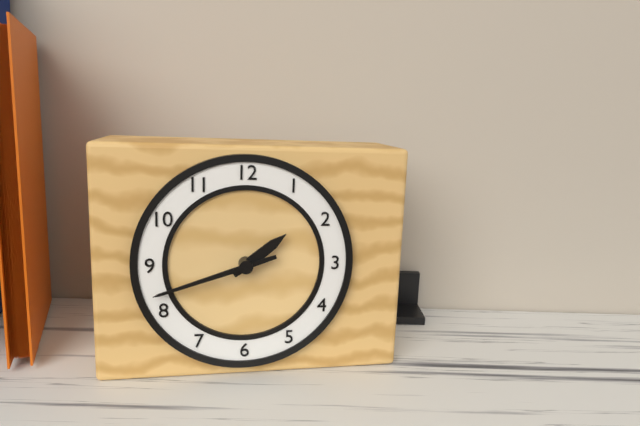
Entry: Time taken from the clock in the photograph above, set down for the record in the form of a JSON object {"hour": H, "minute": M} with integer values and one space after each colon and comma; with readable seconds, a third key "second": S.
{"hour": 1, "minute": 42}
